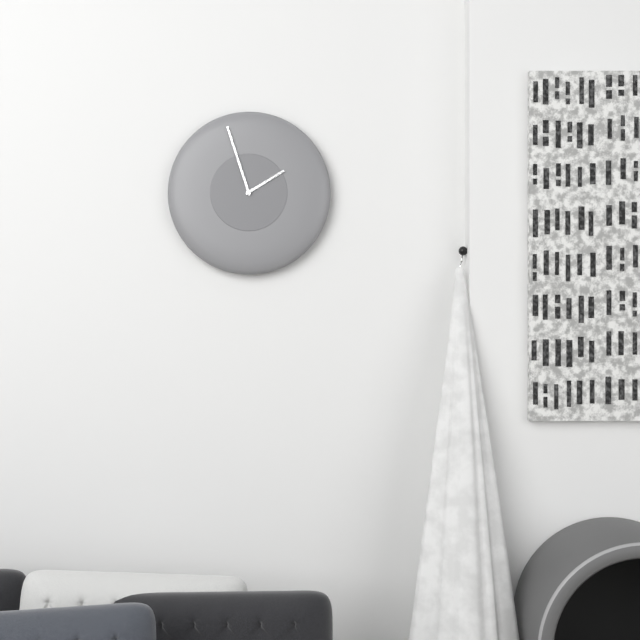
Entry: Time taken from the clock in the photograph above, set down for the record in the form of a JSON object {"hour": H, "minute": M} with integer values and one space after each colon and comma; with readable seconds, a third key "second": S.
{"hour": 1, "minute": 57}
